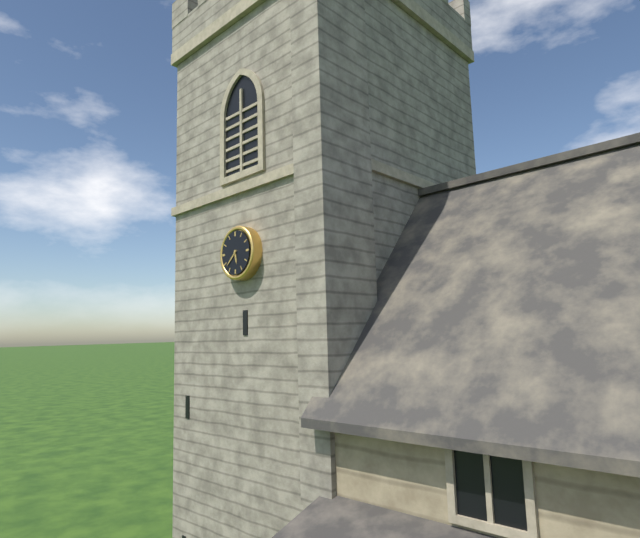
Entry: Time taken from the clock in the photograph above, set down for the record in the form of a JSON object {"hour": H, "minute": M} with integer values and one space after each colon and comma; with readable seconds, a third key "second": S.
{"hour": 5, "minute": 38}
